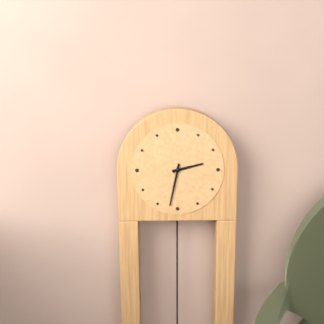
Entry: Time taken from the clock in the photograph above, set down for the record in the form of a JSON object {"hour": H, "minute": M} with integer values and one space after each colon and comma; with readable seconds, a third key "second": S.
{"hour": 2, "minute": 32}
